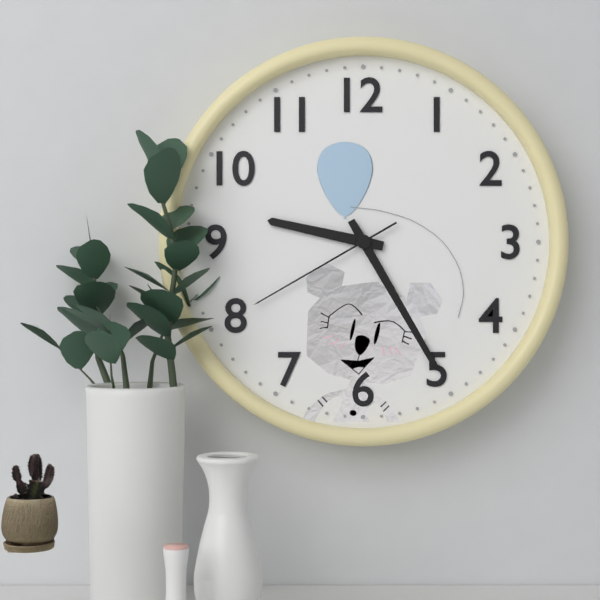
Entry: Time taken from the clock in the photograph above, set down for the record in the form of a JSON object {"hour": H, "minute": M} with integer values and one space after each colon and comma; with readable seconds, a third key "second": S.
{"hour": 9, "minute": 25, "second": 40}
